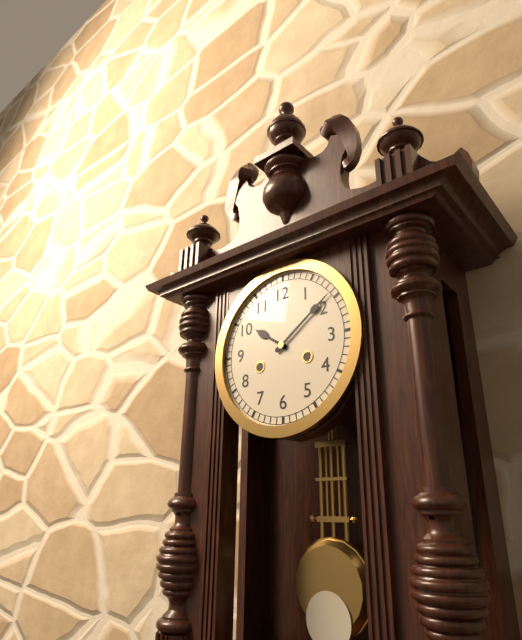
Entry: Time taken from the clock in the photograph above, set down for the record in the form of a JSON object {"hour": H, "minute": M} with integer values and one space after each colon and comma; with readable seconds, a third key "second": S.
{"hour": 10, "minute": 9}
